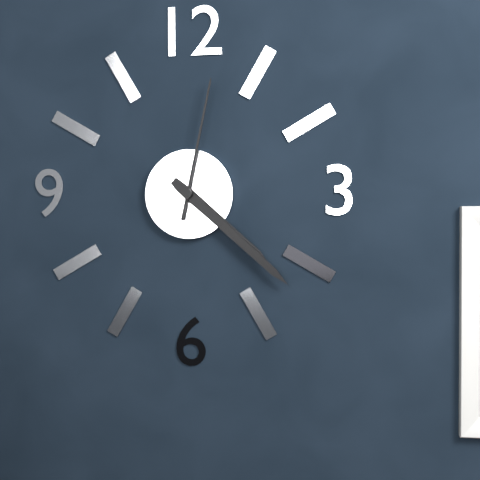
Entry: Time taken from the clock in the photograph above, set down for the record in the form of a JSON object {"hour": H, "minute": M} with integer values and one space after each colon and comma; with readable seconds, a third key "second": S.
{"hour": 4, "minute": 22, "second": 2}
